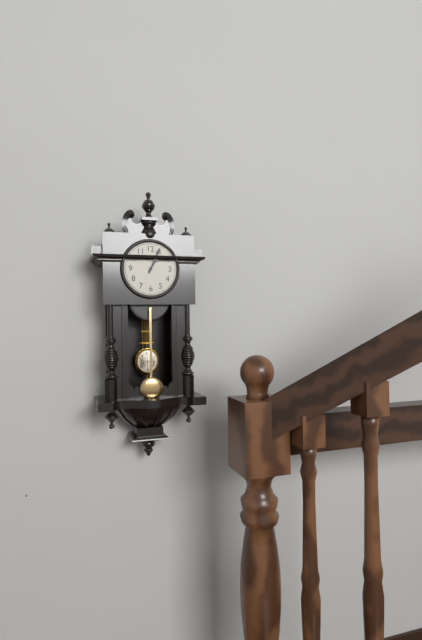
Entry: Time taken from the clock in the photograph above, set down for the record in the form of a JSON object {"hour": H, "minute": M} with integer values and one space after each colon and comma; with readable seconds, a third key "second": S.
{"hour": 1, "minute": 4}
